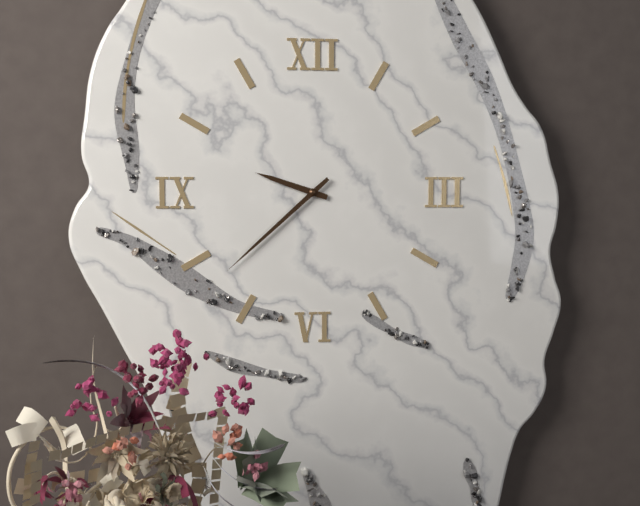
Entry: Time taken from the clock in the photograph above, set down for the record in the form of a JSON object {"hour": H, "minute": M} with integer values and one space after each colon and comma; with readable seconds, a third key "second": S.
{"hour": 9, "minute": 38}
